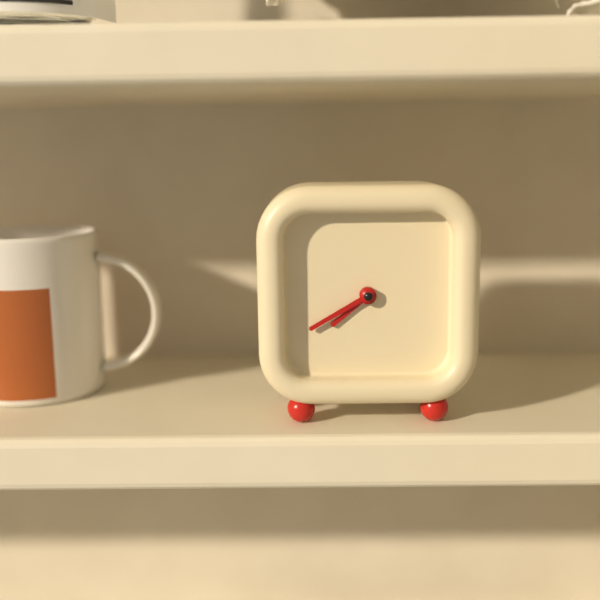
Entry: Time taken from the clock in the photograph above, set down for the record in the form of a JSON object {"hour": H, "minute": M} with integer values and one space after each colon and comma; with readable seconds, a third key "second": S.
{"hour": 7, "minute": 40}
